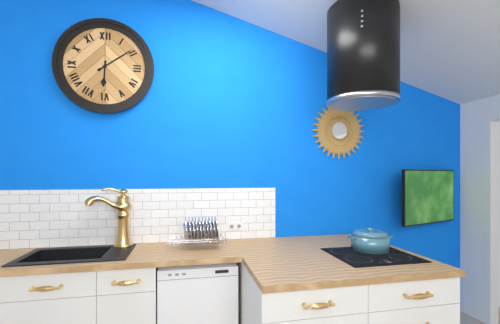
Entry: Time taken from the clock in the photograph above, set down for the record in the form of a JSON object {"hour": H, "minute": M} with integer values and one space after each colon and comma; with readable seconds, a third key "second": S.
{"hour": 6, "minute": 9}
